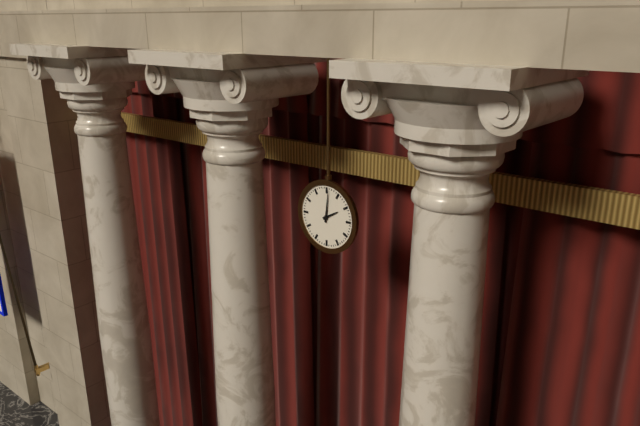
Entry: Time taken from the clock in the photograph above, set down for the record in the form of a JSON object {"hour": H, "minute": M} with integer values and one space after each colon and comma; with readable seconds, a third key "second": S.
{"hour": 2, "minute": 1}
